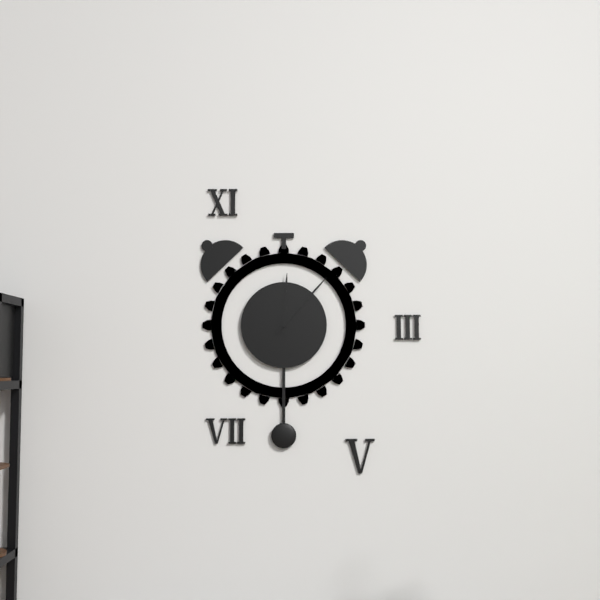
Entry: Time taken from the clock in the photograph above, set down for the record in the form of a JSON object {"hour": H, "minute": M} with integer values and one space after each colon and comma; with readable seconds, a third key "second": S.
{"hour": 12, "minute": 7}
